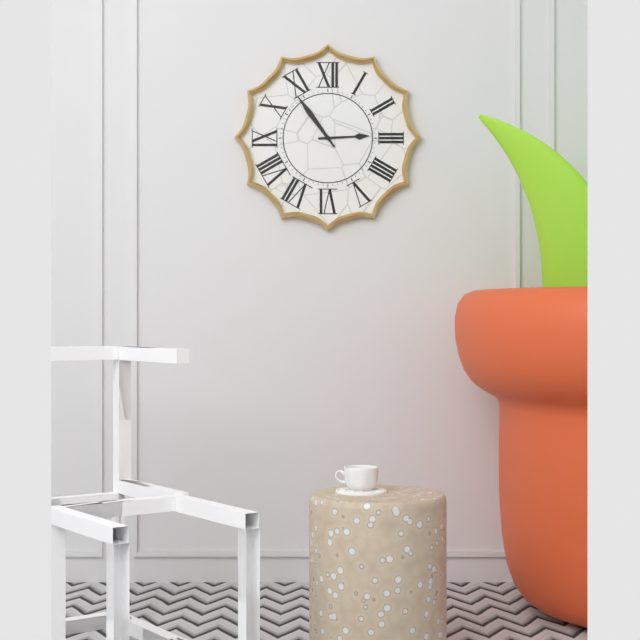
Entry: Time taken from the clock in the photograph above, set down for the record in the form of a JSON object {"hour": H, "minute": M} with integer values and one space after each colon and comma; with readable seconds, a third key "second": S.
{"hour": 2, "minute": 54}
